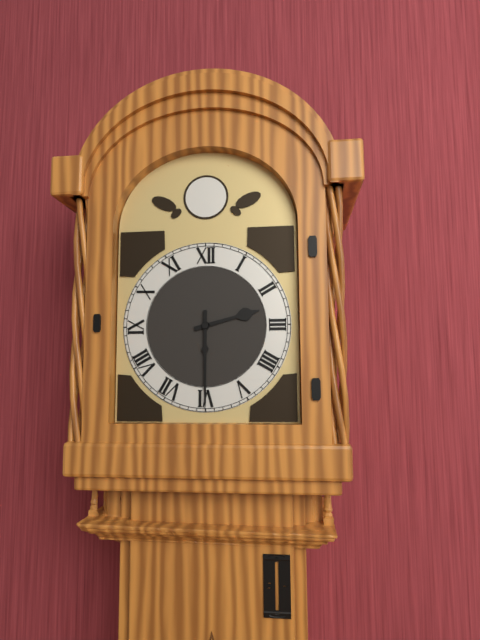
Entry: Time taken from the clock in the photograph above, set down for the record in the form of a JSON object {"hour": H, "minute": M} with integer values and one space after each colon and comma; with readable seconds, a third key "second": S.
{"hour": 2, "minute": 30}
